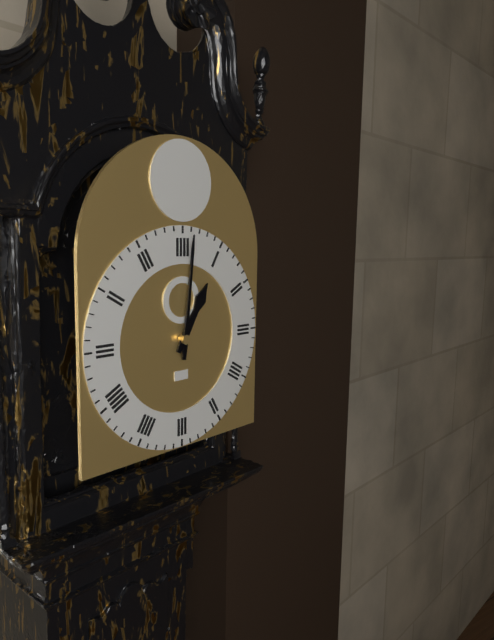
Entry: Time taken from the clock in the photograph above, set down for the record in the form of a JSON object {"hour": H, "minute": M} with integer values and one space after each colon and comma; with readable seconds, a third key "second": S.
{"hour": 1, "minute": 1}
